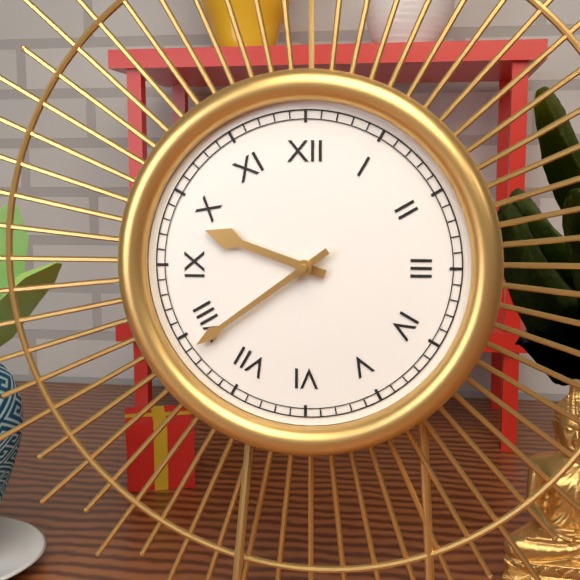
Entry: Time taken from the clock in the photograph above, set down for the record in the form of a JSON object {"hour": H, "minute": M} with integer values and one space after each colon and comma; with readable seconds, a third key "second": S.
{"hour": 9, "minute": 39}
